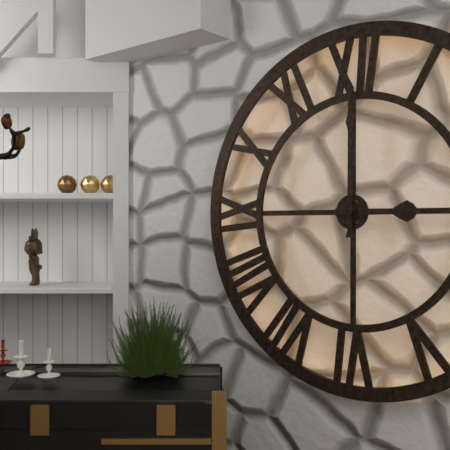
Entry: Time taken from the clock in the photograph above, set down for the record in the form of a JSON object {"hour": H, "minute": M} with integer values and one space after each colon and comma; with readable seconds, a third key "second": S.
{"hour": 3, "minute": 0}
